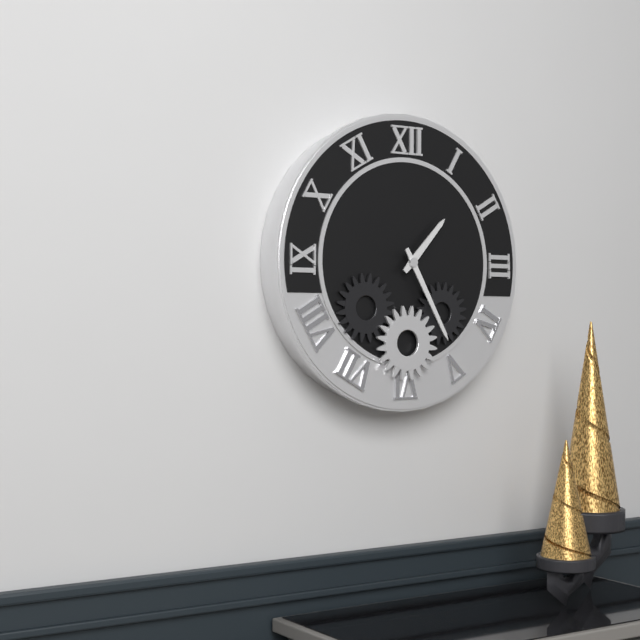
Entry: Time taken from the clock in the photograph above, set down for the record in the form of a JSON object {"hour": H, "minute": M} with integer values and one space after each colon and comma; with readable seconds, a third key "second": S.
{"hour": 1, "minute": 25}
